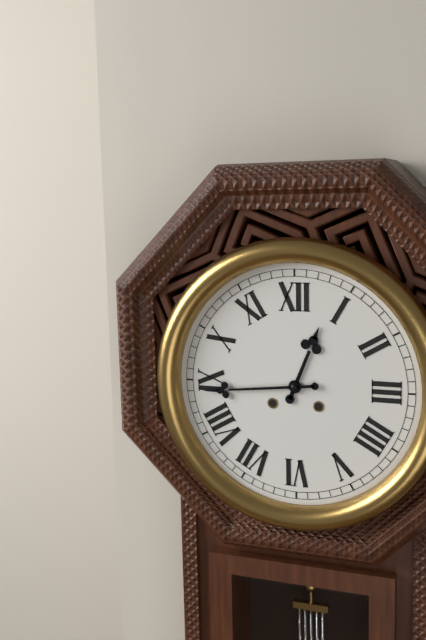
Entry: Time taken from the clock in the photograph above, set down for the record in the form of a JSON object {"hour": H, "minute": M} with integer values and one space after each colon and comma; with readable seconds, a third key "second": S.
{"hour": 12, "minute": 44}
